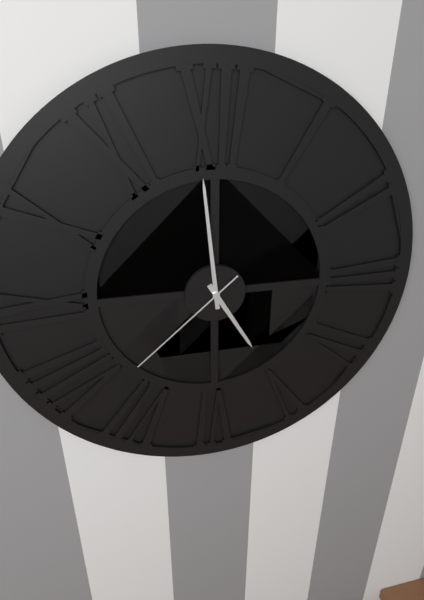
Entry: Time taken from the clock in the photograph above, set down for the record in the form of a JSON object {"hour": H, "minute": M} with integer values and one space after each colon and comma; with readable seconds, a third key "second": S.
{"hour": 4, "minute": 59, "second": 38}
